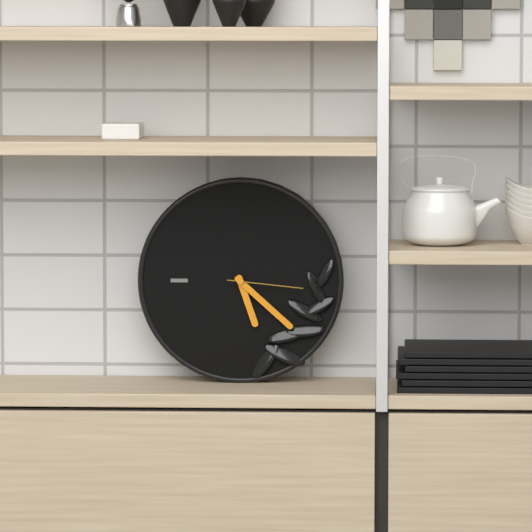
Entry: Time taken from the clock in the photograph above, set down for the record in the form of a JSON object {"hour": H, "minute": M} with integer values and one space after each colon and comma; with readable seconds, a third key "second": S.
{"hour": 5, "minute": 22, "second": 16}
